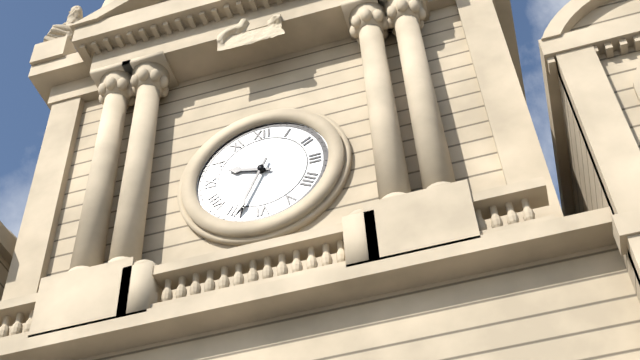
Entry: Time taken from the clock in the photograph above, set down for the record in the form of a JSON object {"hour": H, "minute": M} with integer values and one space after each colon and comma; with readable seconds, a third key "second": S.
{"hour": 9, "minute": 34}
